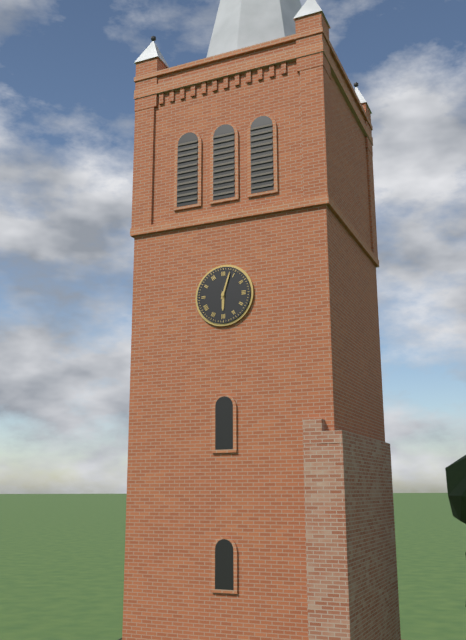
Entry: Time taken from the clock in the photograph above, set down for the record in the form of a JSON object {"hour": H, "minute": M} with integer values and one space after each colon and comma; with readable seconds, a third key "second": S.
{"hour": 6, "minute": 3}
